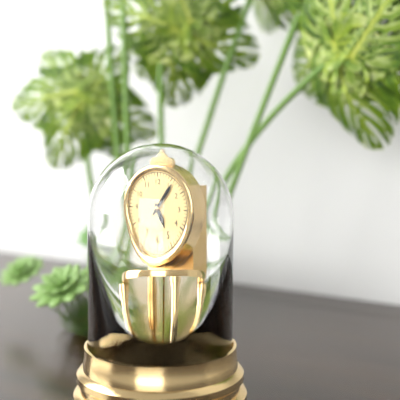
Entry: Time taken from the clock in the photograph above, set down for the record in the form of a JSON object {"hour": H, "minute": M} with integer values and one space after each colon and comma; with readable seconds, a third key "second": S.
{"hour": 5, "minute": 6}
